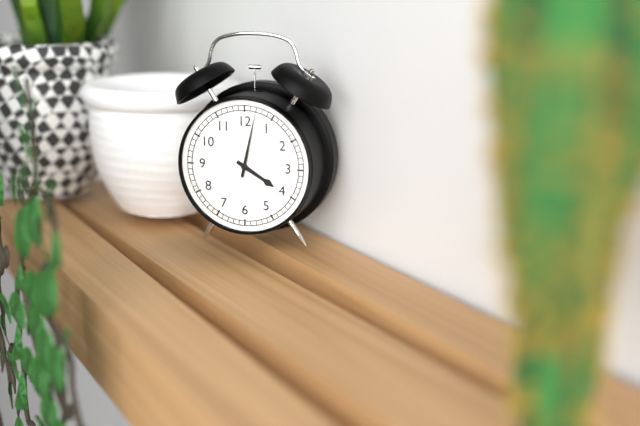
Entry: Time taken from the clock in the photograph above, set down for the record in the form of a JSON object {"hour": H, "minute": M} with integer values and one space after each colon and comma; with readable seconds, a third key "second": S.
{"hour": 4, "minute": 2}
